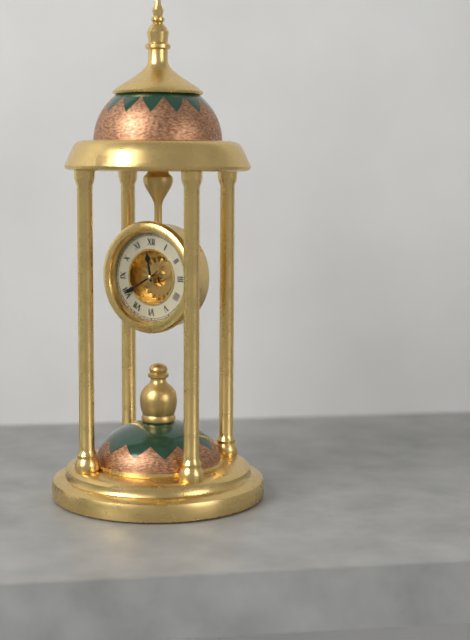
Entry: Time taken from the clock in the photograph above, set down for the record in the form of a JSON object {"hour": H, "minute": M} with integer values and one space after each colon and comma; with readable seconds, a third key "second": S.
{"hour": 11, "minute": 40}
